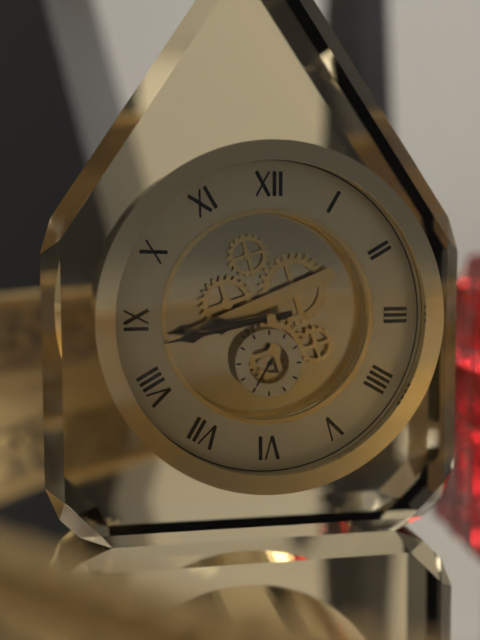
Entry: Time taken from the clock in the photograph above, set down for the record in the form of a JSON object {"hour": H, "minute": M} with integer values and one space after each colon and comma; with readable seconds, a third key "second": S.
{"hour": 8, "minute": 43}
